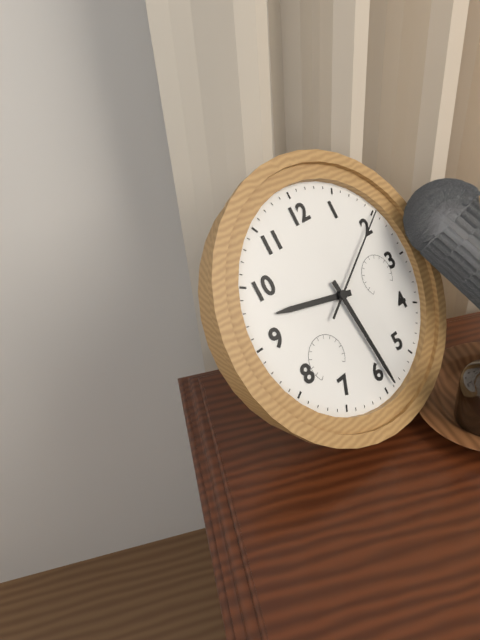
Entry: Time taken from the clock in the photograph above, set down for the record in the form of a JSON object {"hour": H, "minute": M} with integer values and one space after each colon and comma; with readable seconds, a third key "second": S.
{"hour": 9, "minute": 29, "second": 10}
